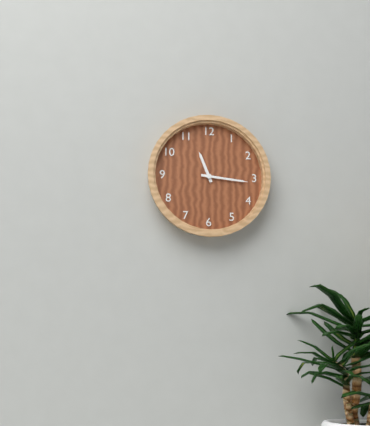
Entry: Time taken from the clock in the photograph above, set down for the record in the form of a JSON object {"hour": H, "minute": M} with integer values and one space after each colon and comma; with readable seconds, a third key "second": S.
{"hour": 11, "minute": 16}
